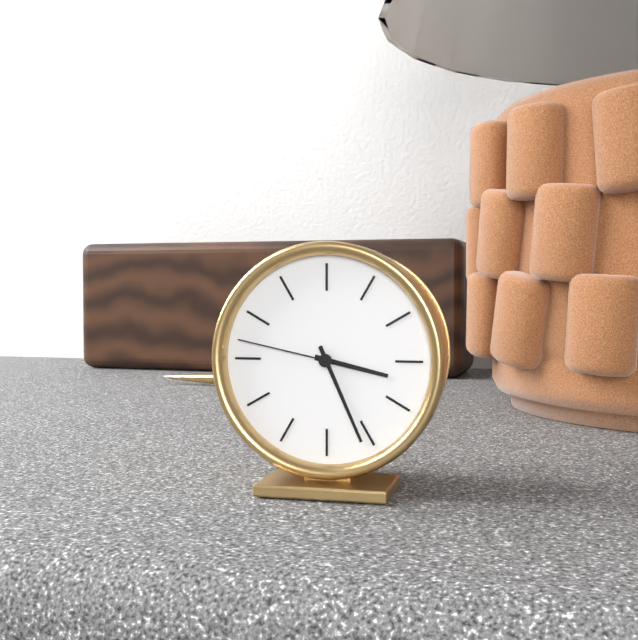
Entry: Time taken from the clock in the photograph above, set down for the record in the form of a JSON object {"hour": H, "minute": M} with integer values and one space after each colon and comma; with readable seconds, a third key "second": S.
{"hour": 3, "minute": 26, "second": 47}
